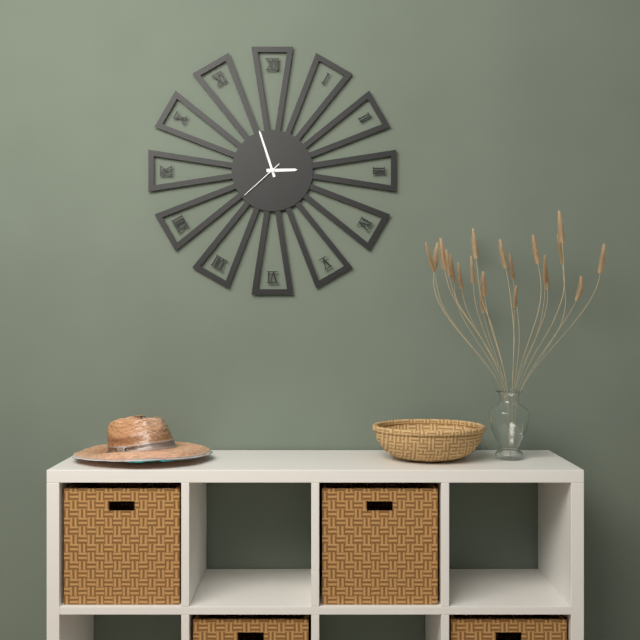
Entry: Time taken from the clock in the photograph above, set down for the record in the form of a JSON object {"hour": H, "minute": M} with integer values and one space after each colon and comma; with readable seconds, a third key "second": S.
{"hour": 2, "minute": 57}
